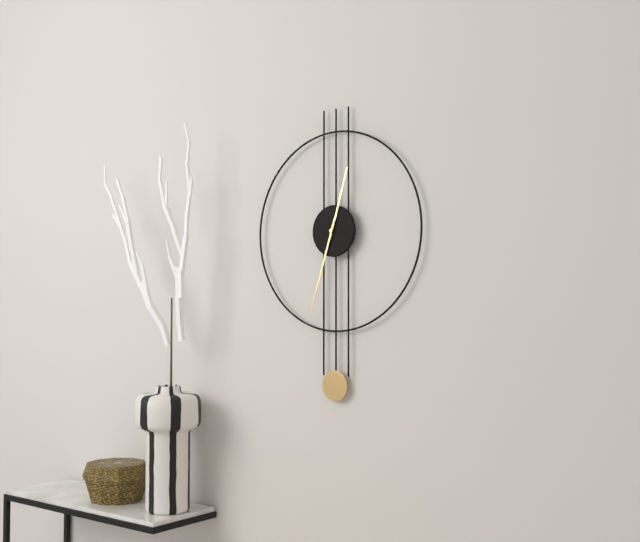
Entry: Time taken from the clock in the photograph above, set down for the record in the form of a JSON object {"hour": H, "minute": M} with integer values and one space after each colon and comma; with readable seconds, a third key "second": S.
{"hour": 12, "minute": 33}
